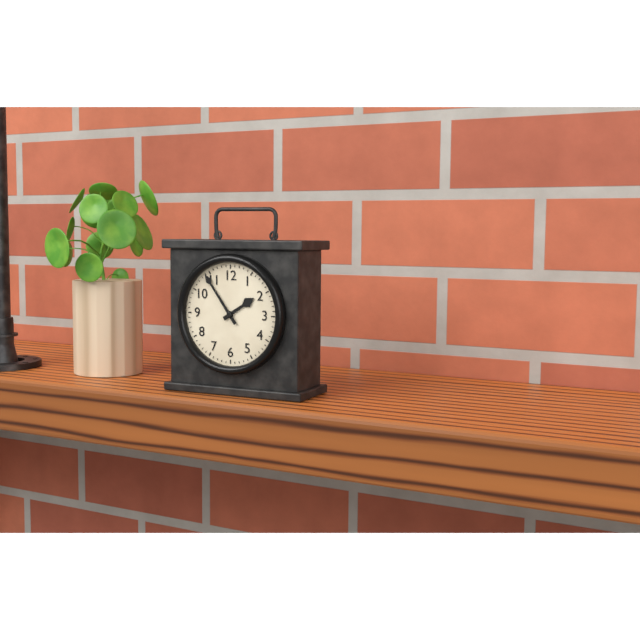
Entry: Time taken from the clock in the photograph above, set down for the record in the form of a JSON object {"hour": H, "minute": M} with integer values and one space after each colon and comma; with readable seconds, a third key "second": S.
{"hour": 1, "minute": 54}
